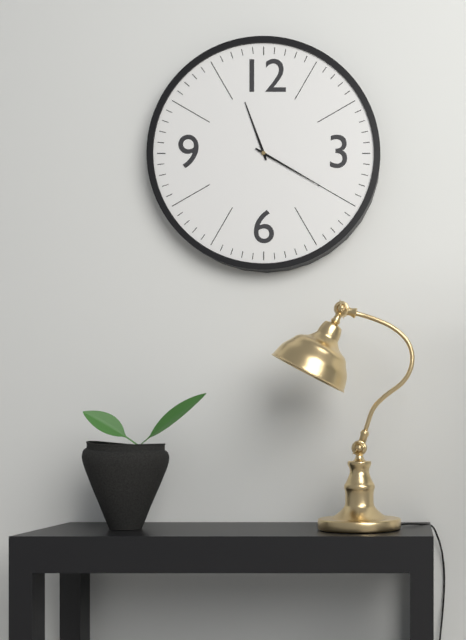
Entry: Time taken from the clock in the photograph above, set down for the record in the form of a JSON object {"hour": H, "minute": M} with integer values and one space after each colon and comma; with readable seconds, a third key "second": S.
{"hour": 11, "minute": 20}
